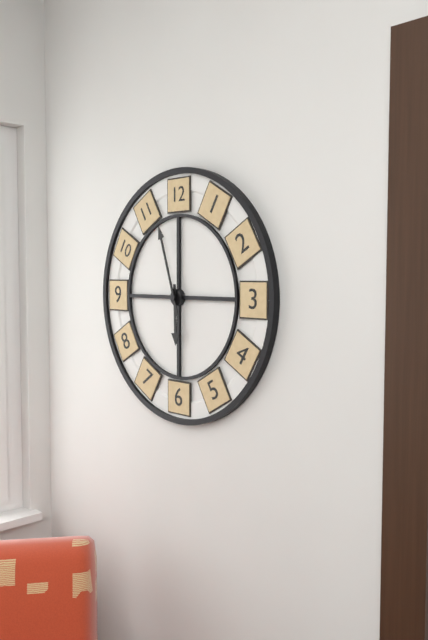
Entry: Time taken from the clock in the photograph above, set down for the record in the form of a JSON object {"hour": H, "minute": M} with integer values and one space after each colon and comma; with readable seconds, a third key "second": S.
{"hour": 5, "minute": 57}
